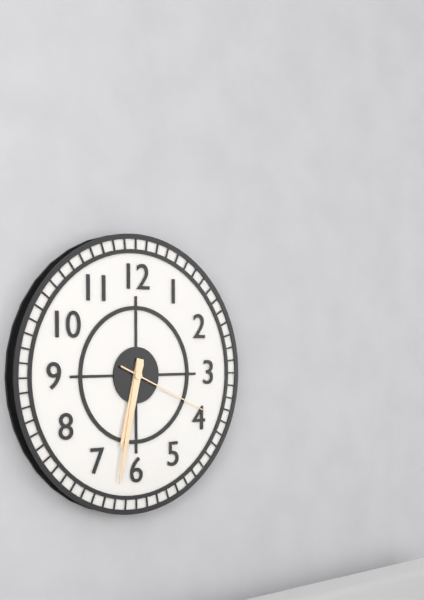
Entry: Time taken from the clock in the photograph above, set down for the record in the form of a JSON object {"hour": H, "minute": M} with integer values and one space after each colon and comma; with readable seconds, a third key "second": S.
{"hour": 6, "minute": 32, "second": 19}
